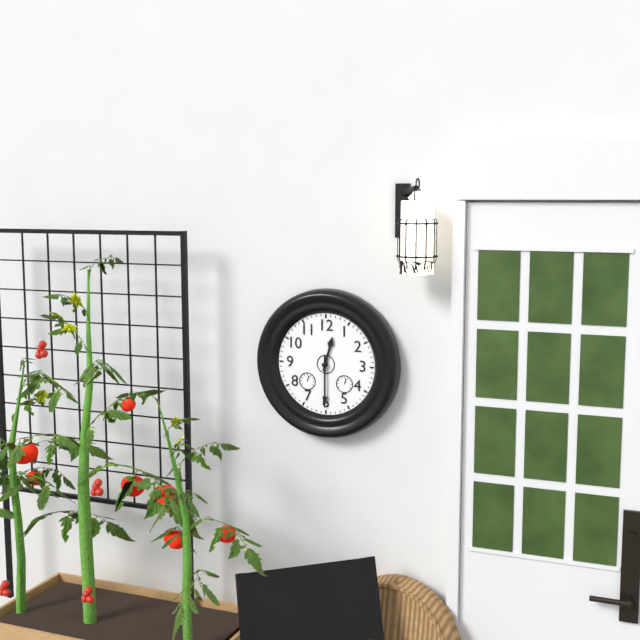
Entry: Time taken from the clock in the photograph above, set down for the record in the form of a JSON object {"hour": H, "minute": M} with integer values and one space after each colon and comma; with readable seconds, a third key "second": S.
{"hour": 12, "minute": 30}
